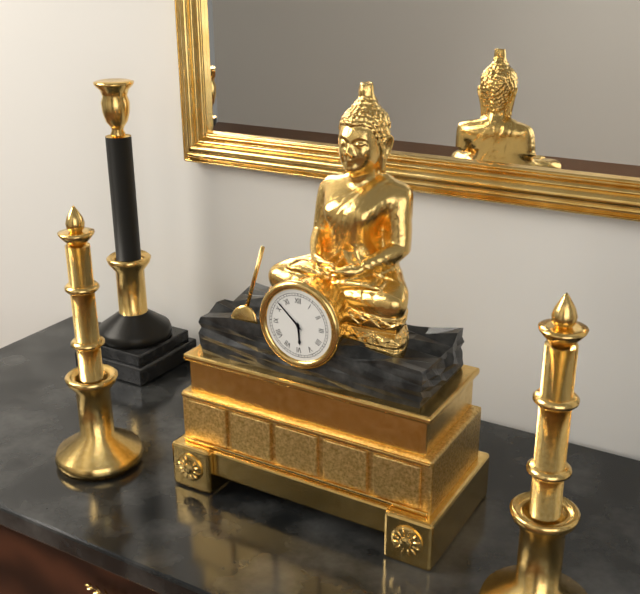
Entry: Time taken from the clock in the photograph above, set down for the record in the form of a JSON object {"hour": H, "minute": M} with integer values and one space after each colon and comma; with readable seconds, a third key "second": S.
{"hour": 5, "minute": 52}
